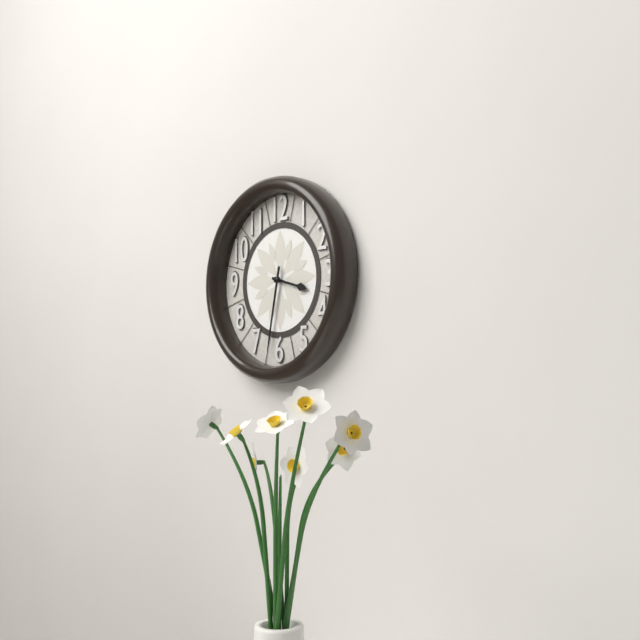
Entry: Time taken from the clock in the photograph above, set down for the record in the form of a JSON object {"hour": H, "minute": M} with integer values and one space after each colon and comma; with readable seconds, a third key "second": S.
{"hour": 3, "minute": 32}
